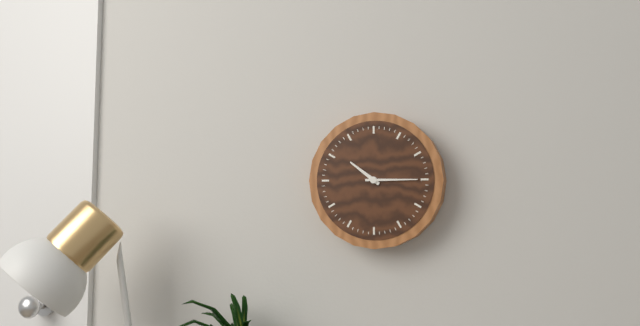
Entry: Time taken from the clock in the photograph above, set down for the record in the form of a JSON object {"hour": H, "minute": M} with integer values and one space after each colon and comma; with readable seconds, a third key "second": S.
{"hour": 10, "minute": 15}
